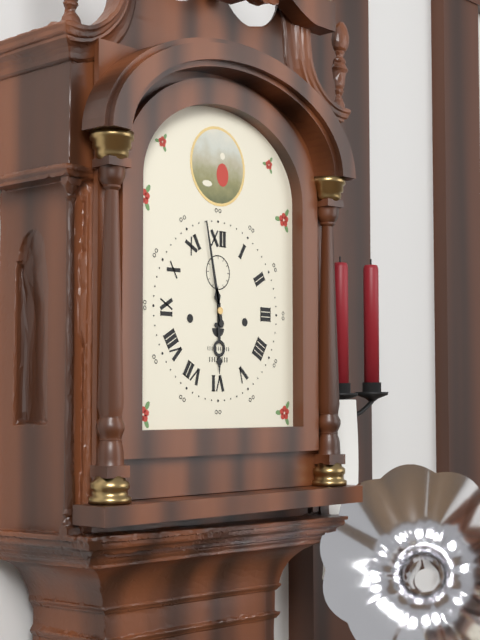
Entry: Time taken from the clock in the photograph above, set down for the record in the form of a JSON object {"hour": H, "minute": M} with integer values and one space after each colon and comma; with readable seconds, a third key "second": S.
{"hour": 5, "minute": 58}
